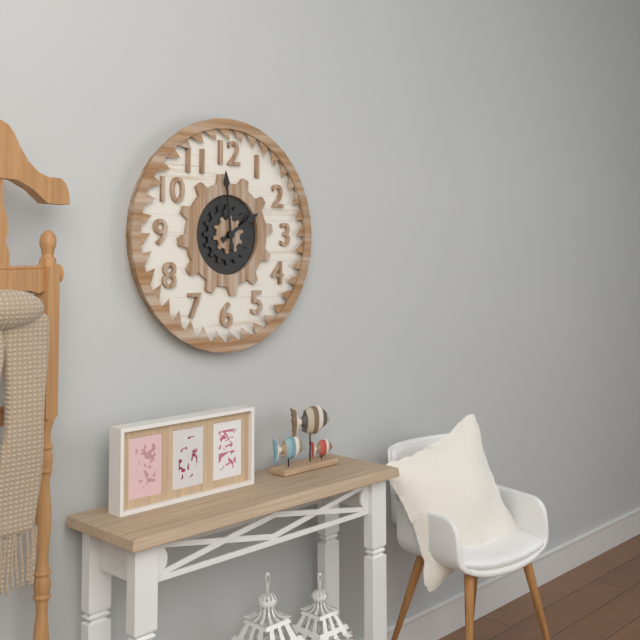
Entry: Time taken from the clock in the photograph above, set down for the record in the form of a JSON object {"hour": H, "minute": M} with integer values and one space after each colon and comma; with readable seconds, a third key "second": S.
{"hour": 1, "minute": 59}
